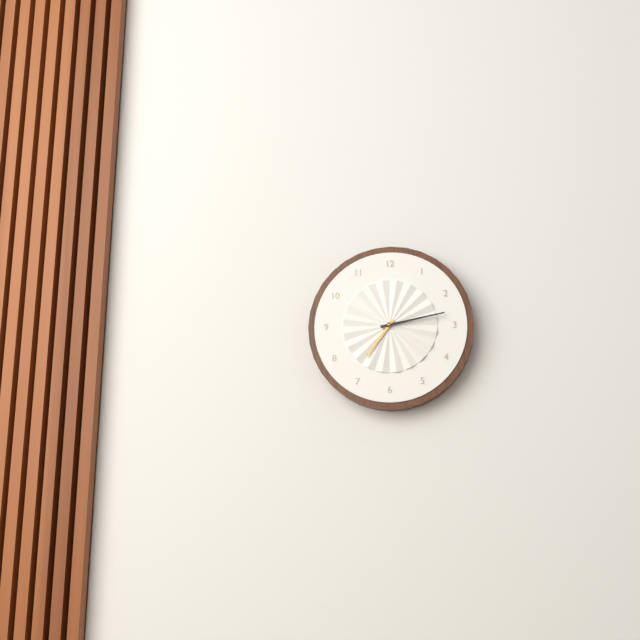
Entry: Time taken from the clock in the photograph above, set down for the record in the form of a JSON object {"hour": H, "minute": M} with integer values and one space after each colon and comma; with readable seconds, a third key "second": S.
{"hour": 7, "minute": 13}
